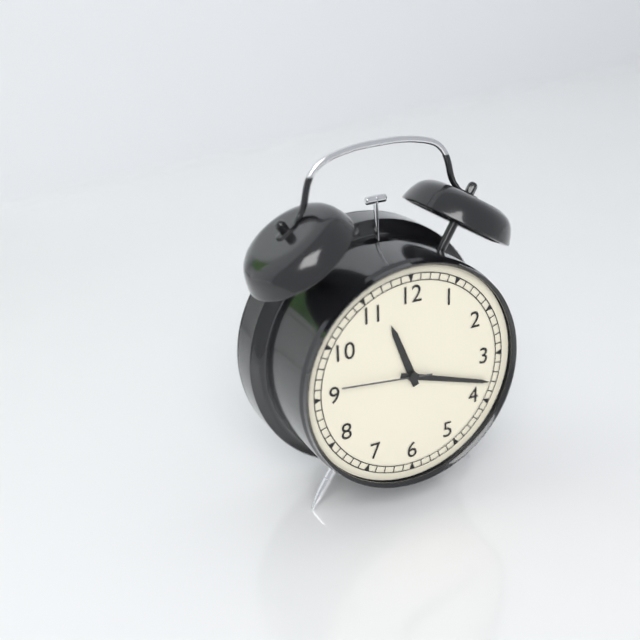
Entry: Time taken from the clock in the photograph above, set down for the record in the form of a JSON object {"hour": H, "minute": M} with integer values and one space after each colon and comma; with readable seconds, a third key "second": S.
{"hour": 11, "minute": 18, "second": 46}
